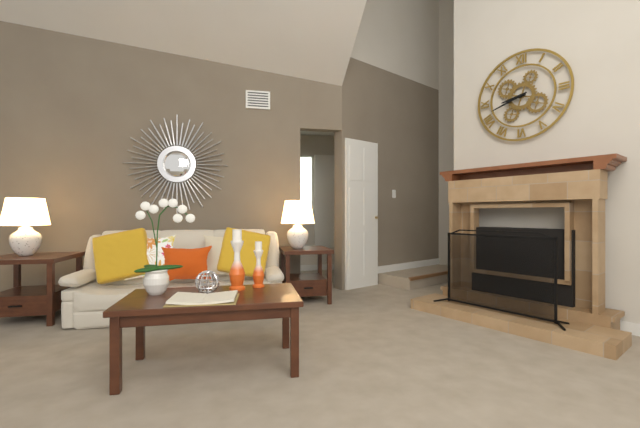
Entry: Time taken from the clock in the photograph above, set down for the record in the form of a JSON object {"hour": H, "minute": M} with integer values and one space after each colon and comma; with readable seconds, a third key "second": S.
{"hour": 8, "minute": 42}
